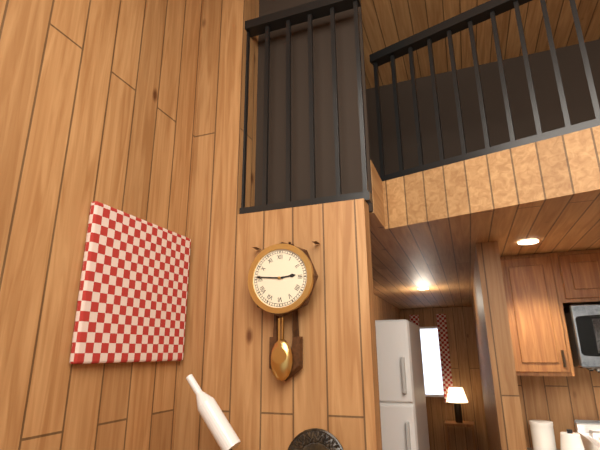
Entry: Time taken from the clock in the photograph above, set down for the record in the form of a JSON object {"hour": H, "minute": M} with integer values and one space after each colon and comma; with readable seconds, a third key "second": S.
{"hour": 2, "minute": 46}
